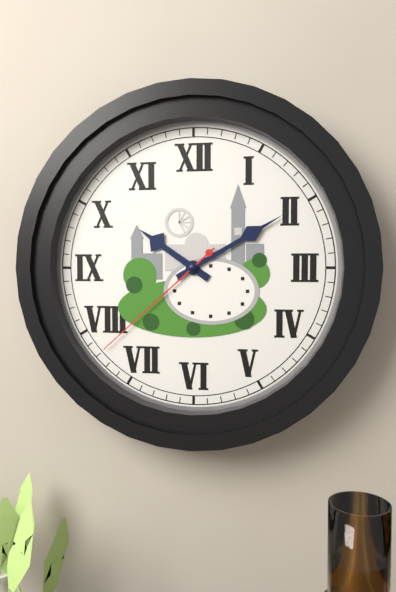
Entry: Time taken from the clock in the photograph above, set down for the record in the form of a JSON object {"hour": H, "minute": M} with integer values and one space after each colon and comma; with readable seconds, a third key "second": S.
{"hour": 10, "minute": 10, "second": 38}
